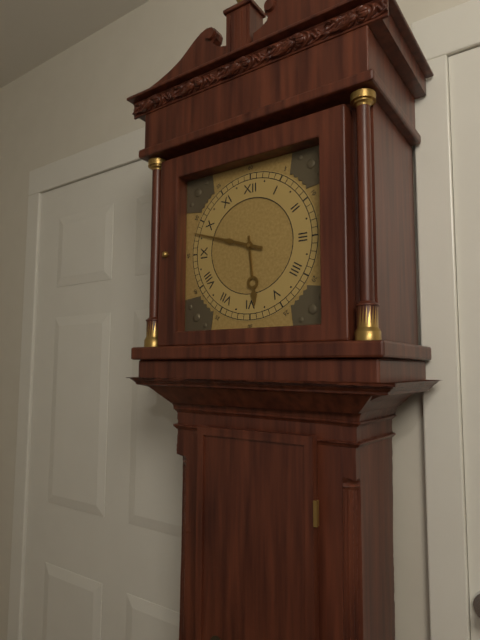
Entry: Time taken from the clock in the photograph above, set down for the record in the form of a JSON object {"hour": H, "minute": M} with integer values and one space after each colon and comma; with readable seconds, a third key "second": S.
{"hour": 5, "minute": 48}
